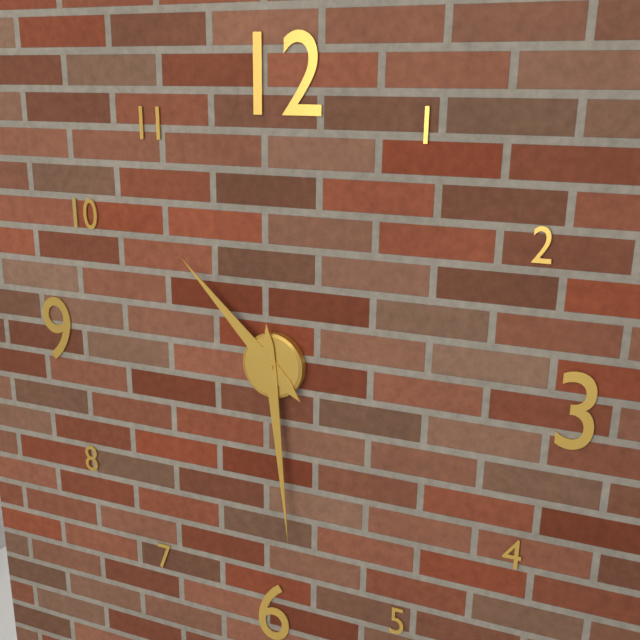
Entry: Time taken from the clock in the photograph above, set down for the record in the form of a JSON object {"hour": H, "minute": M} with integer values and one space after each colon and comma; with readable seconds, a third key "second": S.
{"hour": 10, "minute": 29}
